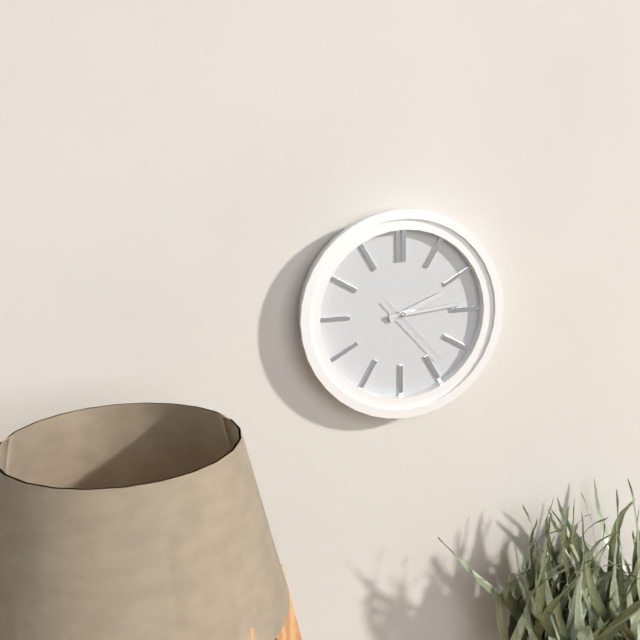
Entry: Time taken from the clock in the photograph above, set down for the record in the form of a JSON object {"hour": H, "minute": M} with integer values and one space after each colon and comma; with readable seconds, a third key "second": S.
{"hour": 2, "minute": 14, "second": 23}
